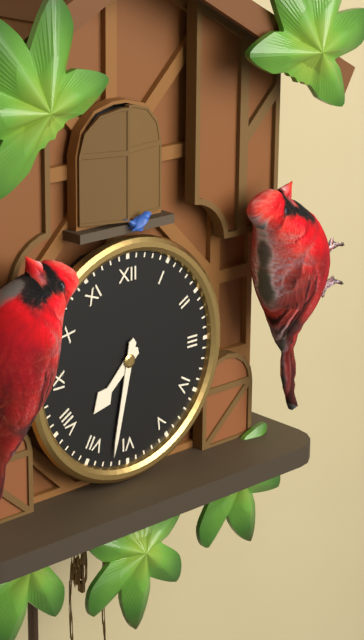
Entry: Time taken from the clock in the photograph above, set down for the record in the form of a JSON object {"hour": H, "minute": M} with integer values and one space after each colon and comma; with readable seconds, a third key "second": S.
{"hour": 7, "minute": 32}
